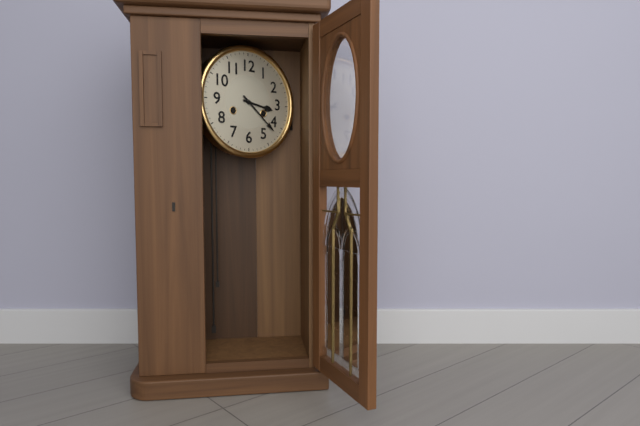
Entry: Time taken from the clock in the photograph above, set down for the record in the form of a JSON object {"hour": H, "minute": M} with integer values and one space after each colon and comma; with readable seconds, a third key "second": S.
{"hour": 3, "minute": 22}
